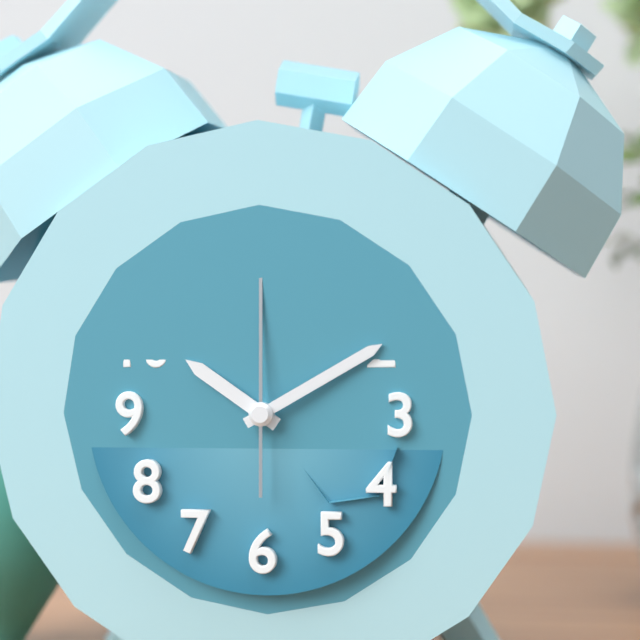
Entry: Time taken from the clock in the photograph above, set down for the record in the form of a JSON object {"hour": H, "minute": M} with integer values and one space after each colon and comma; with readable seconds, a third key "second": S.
{"hour": 10, "minute": 10, "second": 0}
